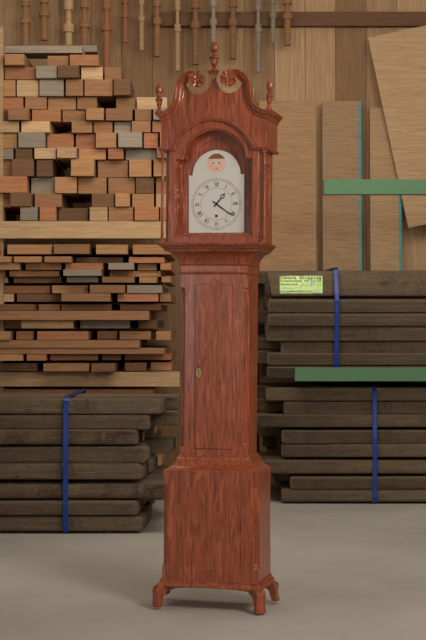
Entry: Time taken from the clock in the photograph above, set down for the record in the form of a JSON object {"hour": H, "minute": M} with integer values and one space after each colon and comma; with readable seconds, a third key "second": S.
{"hour": 1, "minute": 21}
